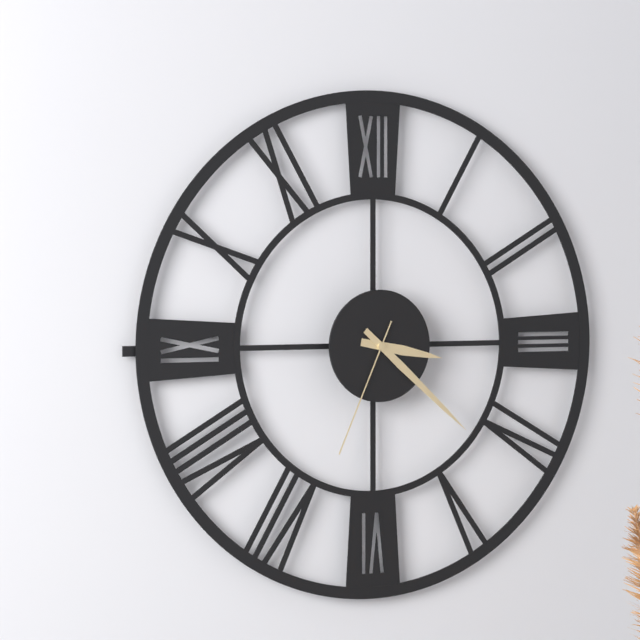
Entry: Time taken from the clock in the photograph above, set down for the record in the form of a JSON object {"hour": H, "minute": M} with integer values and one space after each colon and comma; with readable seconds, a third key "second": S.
{"hour": 3, "minute": 22, "second": 34}
